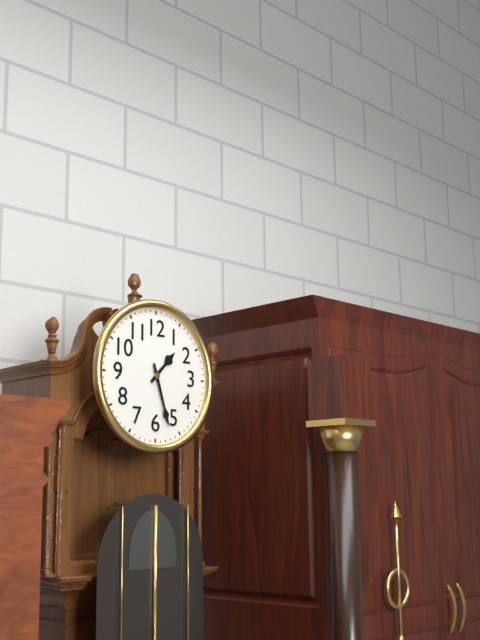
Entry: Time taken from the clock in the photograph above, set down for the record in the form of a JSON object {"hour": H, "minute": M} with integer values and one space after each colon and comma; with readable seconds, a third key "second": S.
{"hour": 1, "minute": 27}
